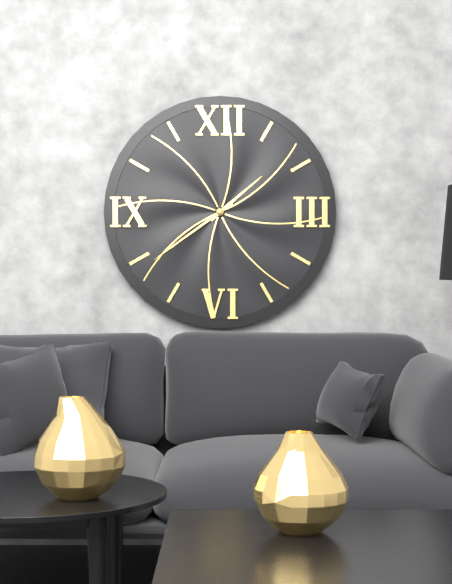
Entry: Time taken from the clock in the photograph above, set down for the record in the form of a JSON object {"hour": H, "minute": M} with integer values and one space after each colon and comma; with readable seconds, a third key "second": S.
{"hour": 1, "minute": 39}
